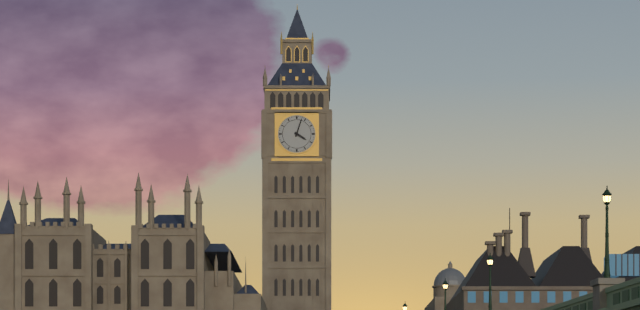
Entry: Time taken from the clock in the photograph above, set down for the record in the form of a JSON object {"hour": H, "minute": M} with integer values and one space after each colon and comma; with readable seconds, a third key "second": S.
{"hour": 4, "minute": 3}
